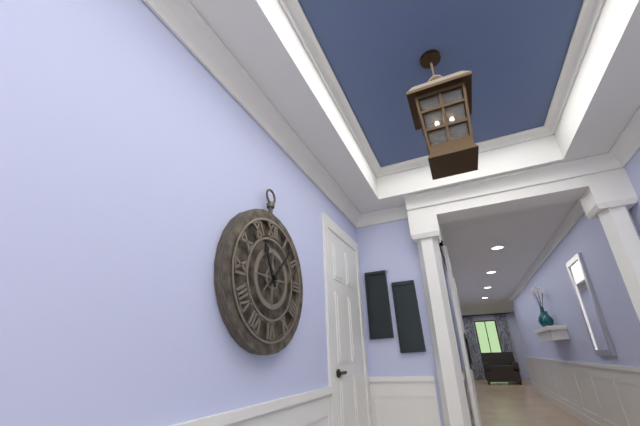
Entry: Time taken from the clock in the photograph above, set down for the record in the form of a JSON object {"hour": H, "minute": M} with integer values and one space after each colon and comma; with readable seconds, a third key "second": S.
{"hour": 11, "minute": 7}
